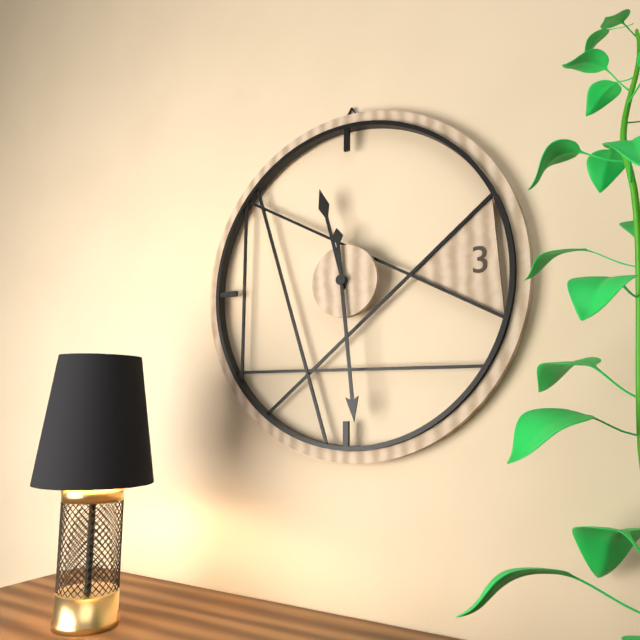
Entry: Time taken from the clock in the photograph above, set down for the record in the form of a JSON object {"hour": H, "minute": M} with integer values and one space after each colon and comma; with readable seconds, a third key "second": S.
{"hour": 11, "minute": 29}
